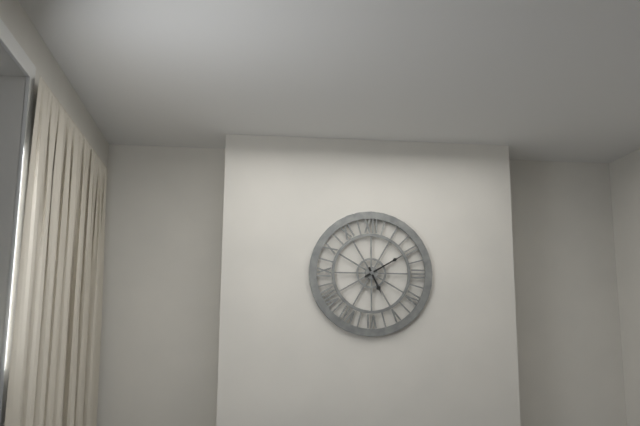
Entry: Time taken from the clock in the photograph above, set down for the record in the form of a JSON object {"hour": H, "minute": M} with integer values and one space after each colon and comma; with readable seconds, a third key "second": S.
{"hour": 5, "minute": 10}
